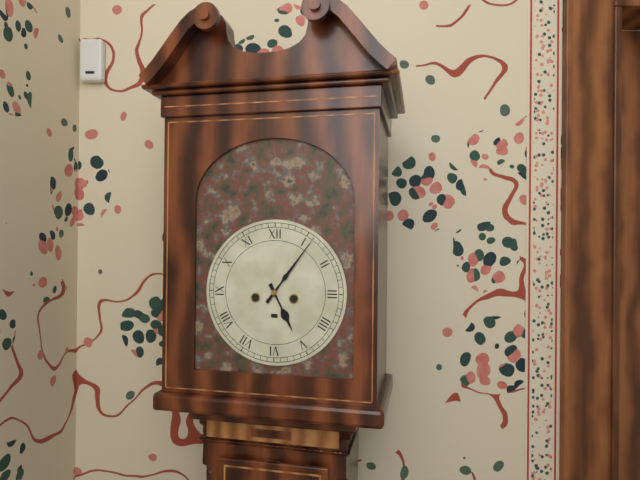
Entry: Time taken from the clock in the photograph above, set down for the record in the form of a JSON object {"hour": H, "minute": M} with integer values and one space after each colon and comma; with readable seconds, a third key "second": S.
{"hour": 5, "minute": 6}
